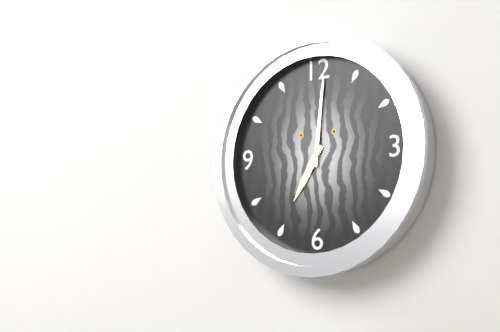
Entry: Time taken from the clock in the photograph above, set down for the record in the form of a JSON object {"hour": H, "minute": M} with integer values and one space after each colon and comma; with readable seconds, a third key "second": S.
{"hour": 7, "minute": 1}
